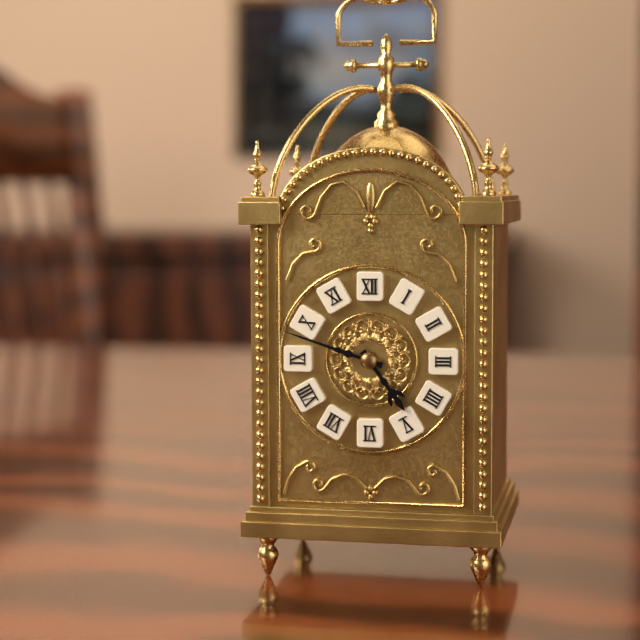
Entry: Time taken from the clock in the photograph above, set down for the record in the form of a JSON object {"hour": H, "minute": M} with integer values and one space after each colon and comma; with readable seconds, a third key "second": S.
{"hour": 4, "minute": 48}
